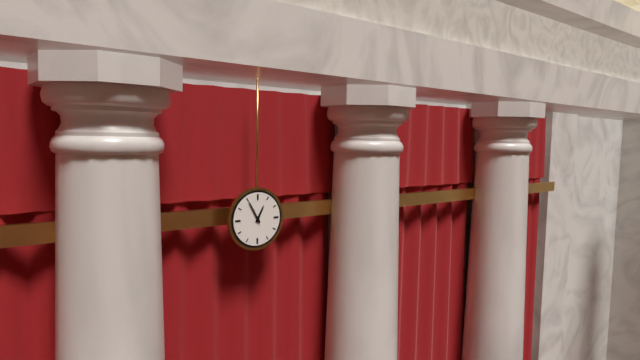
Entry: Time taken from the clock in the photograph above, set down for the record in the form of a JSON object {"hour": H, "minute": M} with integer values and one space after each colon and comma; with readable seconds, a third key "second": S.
{"hour": 12, "minute": 55}
